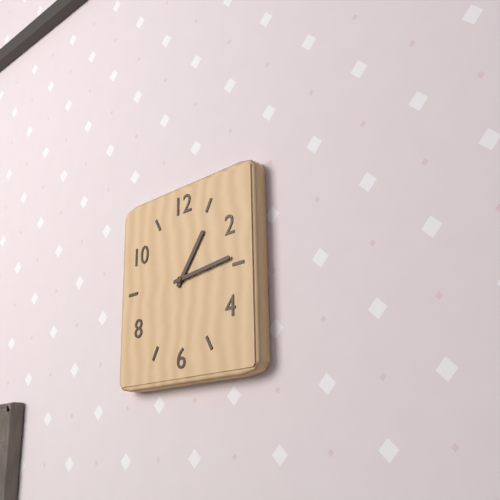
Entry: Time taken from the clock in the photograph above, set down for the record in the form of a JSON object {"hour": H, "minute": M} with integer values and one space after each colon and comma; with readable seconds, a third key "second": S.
{"hour": 1, "minute": 14}
